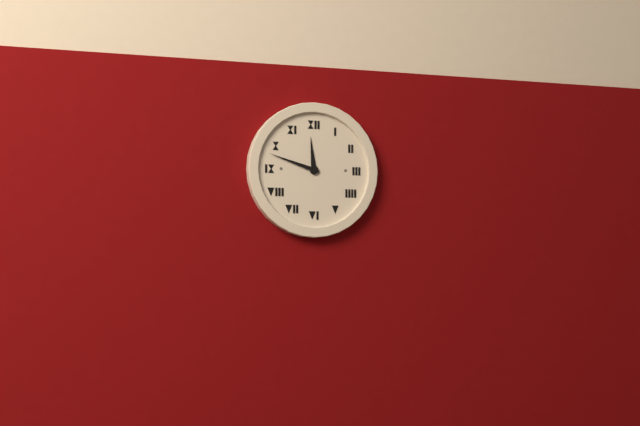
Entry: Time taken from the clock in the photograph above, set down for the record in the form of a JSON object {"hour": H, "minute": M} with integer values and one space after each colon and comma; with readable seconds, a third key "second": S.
{"hour": 11, "minute": 48}
